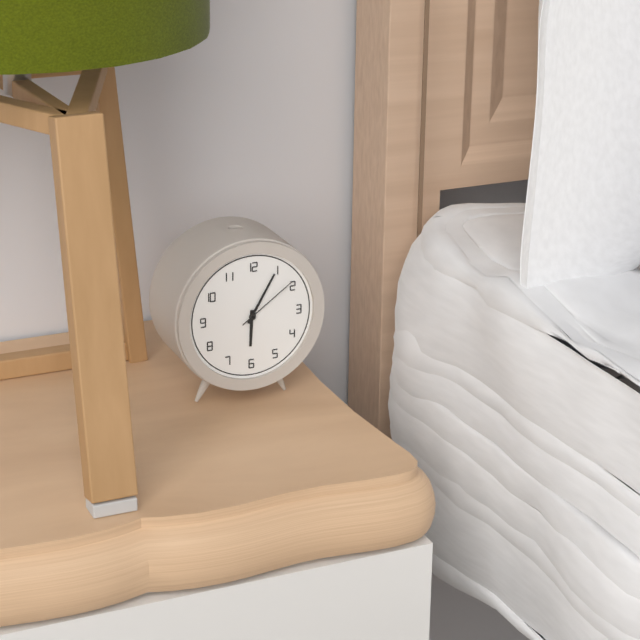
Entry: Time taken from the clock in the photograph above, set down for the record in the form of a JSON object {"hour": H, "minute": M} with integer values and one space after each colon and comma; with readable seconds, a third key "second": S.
{"hour": 6, "minute": 5, "second": 9}
